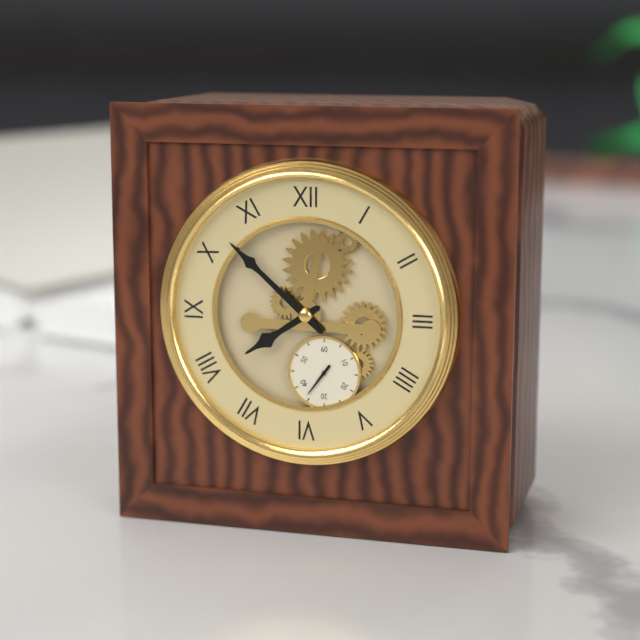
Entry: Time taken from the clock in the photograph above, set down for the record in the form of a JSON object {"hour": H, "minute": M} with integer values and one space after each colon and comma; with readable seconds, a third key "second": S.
{"hour": 7, "minute": 52}
